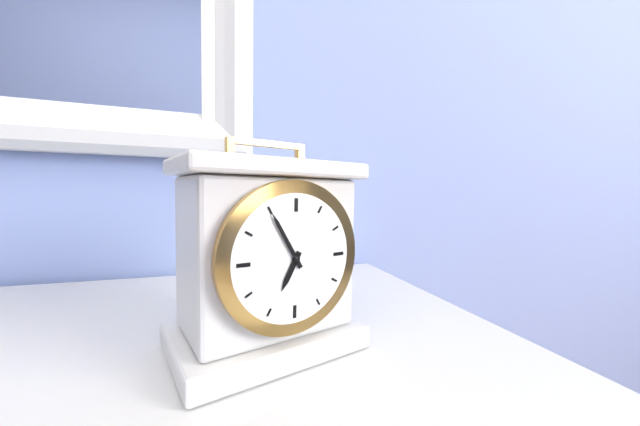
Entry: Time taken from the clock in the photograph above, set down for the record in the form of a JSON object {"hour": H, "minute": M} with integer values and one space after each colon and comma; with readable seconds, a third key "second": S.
{"hour": 6, "minute": 55}
